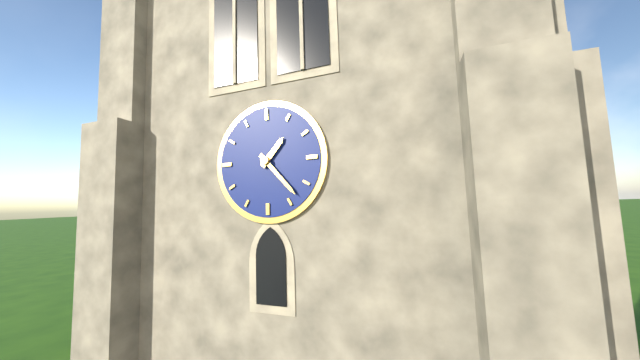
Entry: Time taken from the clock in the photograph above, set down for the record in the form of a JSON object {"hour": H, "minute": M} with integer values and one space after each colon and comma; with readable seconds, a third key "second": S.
{"hour": 1, "minute": 23}
